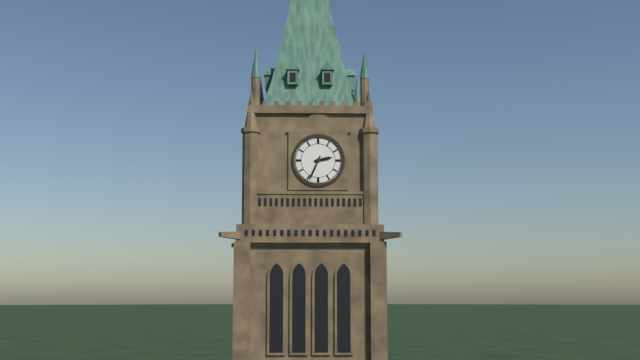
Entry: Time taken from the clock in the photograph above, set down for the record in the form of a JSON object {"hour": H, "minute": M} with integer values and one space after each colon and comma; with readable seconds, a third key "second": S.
{"hour": 2, "minute": 34}
